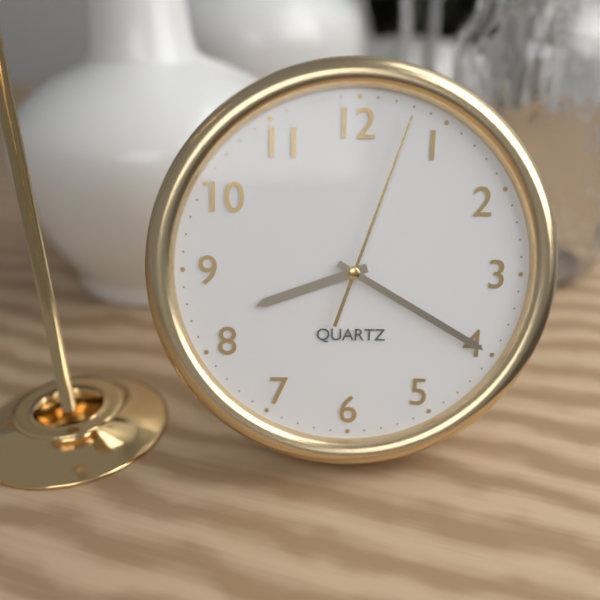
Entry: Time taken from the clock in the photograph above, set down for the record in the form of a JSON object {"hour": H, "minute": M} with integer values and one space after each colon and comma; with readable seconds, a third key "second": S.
{"hour": 8, "minute": 20, "second": 3}
